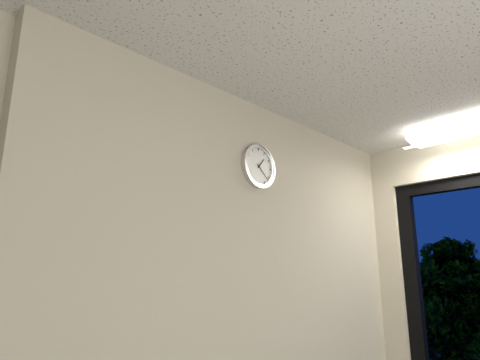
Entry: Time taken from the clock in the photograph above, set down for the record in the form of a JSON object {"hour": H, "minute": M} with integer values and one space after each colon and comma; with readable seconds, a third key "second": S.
{"hour": 1, "minute": 22}
